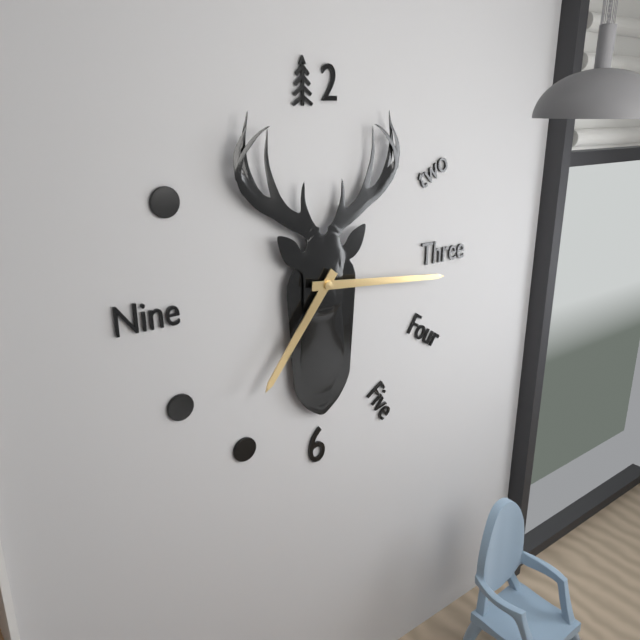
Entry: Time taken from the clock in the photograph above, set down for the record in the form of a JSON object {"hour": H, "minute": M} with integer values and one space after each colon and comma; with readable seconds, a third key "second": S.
{"hour": 7, "minute": 16}
